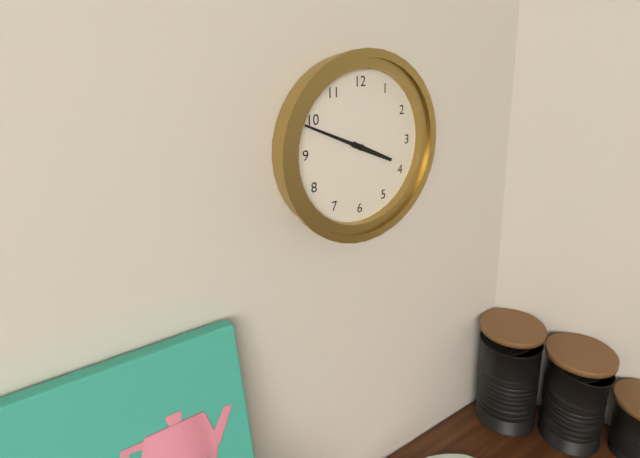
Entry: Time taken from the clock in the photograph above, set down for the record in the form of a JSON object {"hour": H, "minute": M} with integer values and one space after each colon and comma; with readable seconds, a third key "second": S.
{"hour": 3, "minute": 49}
